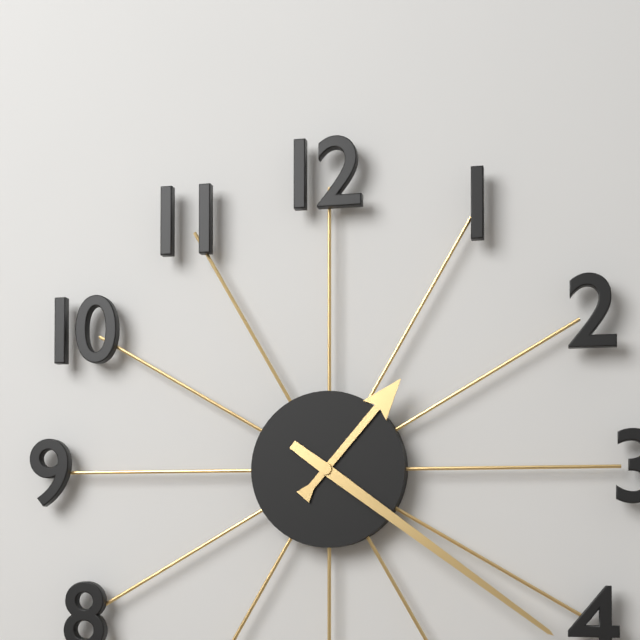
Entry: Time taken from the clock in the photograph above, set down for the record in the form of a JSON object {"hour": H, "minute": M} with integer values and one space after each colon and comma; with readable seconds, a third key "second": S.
{"hour": 1, "minute": 21}
